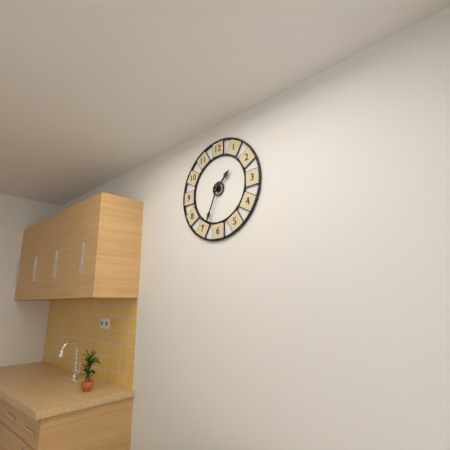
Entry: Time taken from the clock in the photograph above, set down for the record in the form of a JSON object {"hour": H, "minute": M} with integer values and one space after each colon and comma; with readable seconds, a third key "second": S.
{"hour": 1, "minute": 34}
